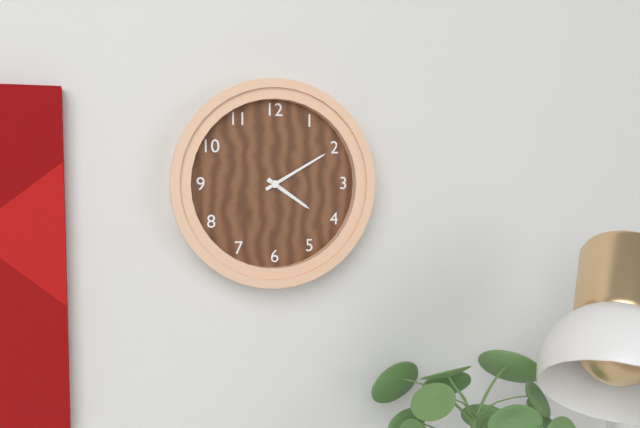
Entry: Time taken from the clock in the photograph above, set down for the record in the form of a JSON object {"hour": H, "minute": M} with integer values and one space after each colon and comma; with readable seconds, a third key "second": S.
{"hour": 4, "minute": 10}
